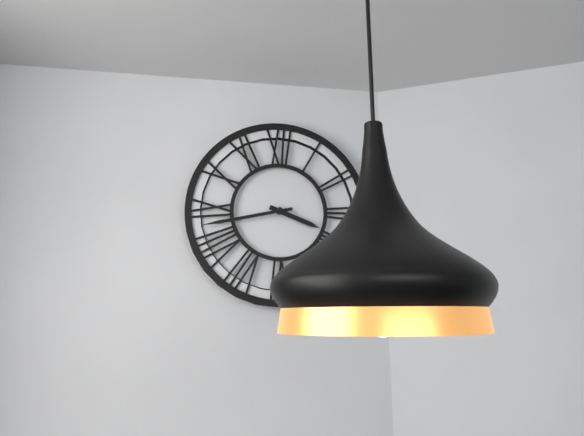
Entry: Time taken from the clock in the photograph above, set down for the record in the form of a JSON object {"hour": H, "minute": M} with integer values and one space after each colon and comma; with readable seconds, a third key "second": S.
{"hour": 3, "minute": 43}
